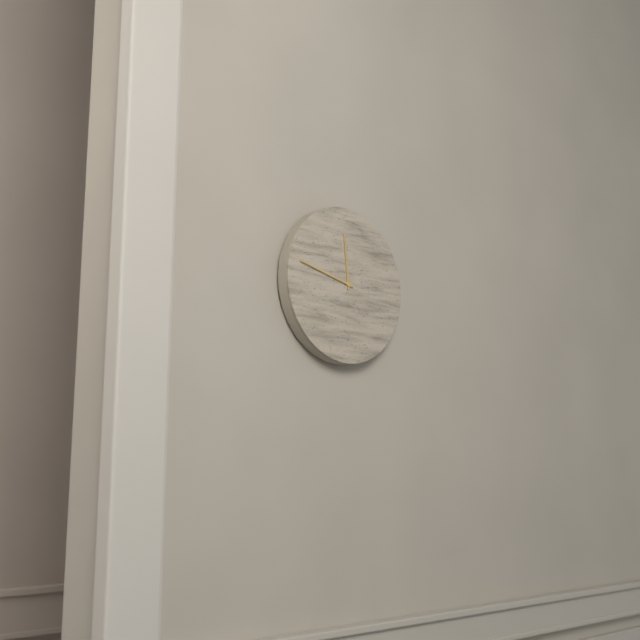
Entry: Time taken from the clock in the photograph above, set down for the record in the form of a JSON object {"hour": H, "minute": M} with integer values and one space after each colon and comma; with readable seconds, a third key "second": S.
{"hour": 11, "minute": 47}
